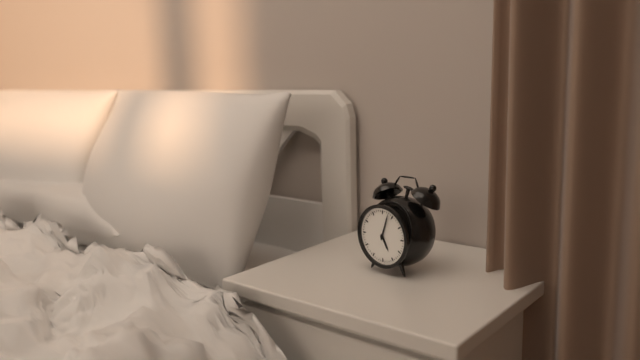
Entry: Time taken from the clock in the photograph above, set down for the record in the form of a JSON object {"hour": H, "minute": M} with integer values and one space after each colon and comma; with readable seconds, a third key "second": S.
{"hour": 5, "minute": 3}
